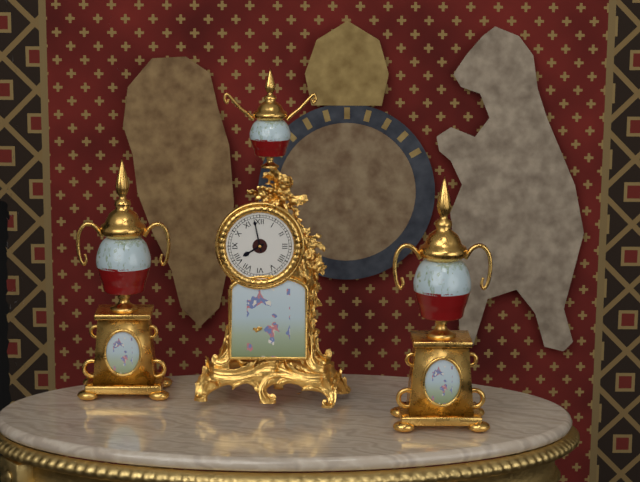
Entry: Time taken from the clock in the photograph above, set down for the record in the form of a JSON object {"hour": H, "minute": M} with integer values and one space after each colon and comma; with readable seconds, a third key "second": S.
{"hour": 7, "minute": 58}
